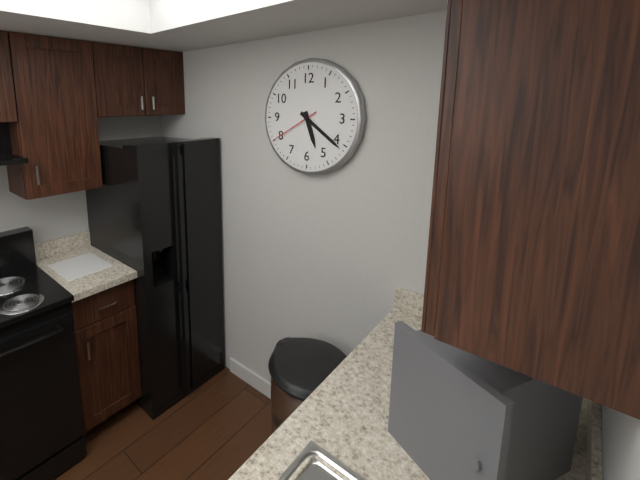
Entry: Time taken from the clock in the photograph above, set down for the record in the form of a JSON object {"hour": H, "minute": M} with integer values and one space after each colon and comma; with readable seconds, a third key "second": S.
{"hour": 5, "minute": 21}
